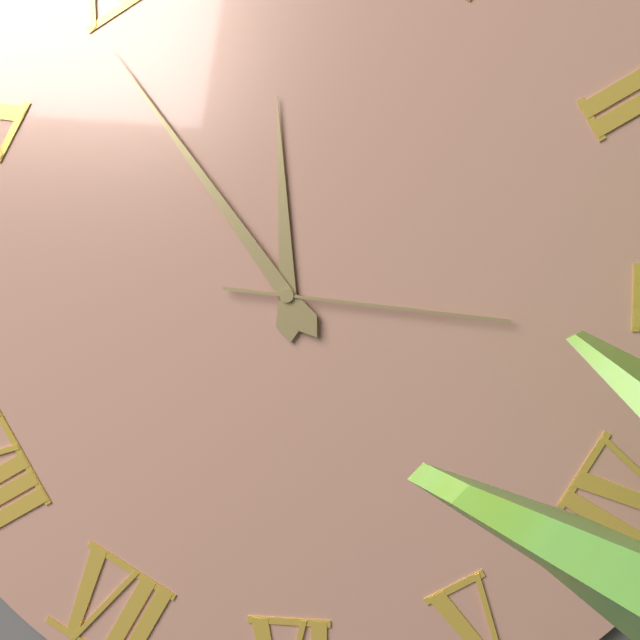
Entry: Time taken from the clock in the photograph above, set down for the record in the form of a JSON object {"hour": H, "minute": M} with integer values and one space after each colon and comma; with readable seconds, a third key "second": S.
{"hour": 11, "minute": 54, "second": 16}
